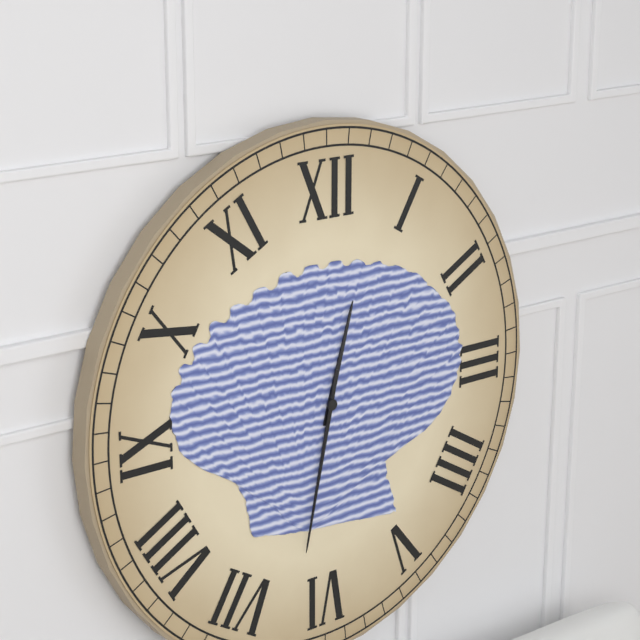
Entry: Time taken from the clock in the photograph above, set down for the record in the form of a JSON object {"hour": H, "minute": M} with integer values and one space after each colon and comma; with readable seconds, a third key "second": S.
{"hour": 12, "minute": 32}
